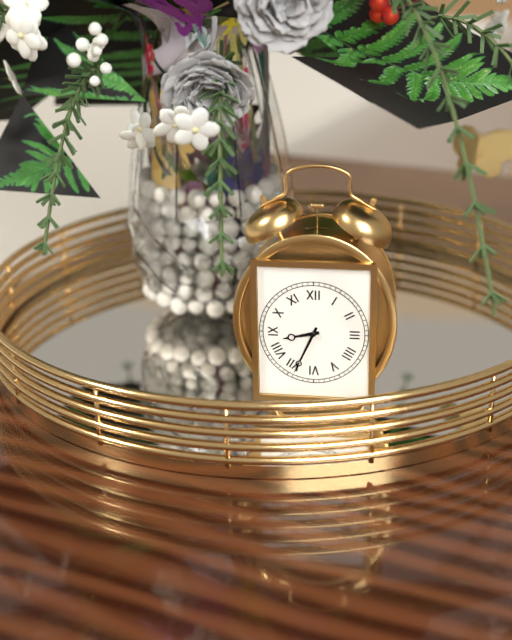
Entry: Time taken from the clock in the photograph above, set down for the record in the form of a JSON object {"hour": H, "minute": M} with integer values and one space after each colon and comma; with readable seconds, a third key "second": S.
{"hour": 8, "minute": 34}
